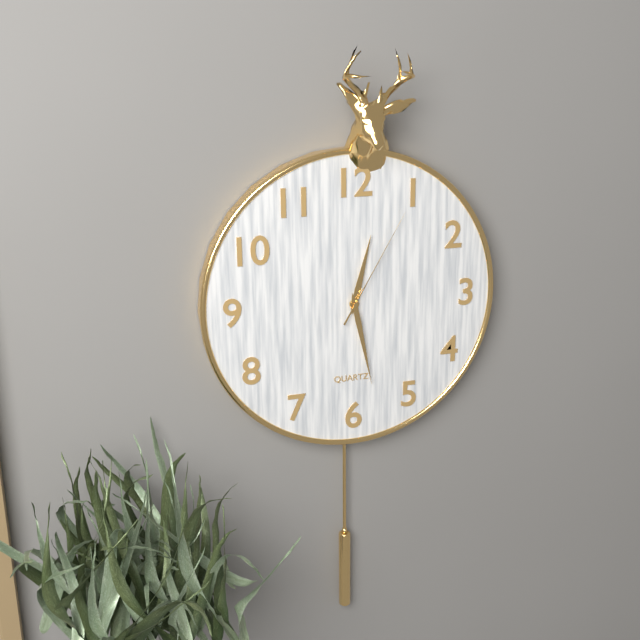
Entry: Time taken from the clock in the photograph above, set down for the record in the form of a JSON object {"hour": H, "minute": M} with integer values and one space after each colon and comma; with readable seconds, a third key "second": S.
{"hour": 12, "minute": 28, "second": 5}
